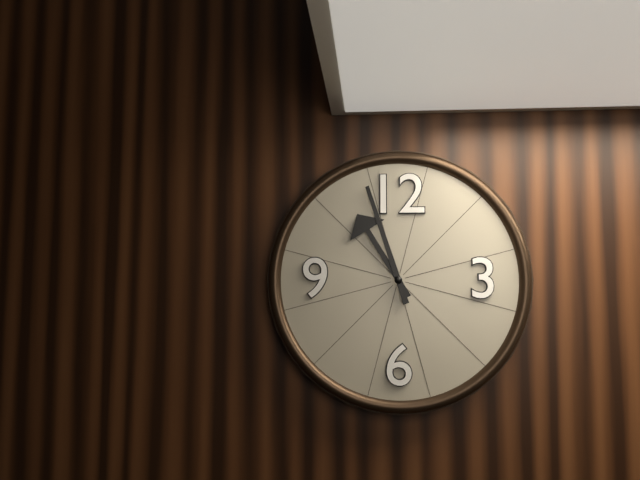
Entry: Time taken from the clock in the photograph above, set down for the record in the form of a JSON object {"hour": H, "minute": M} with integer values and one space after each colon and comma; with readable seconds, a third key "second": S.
{"hour": 10, "minute": 57}
